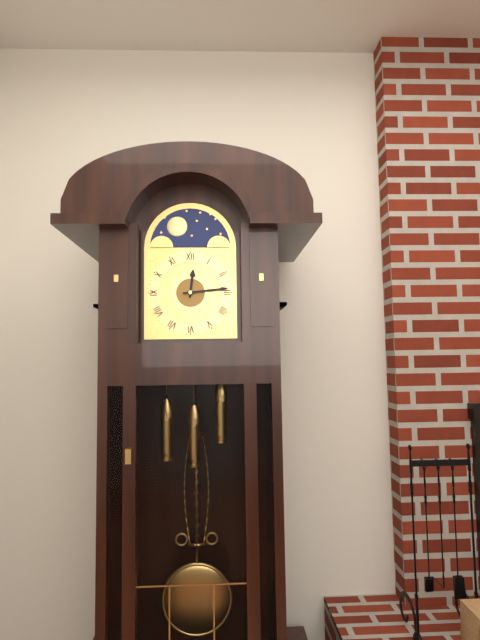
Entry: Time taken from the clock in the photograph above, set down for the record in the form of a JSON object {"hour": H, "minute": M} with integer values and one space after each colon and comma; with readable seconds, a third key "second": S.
{"hour": 12, "minute": 14}
